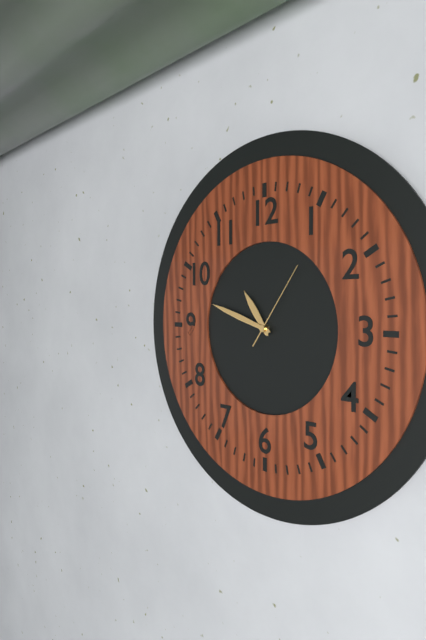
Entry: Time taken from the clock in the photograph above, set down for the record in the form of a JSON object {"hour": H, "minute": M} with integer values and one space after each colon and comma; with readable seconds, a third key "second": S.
{"hour": 10, "minute": 48, "second": 6}
